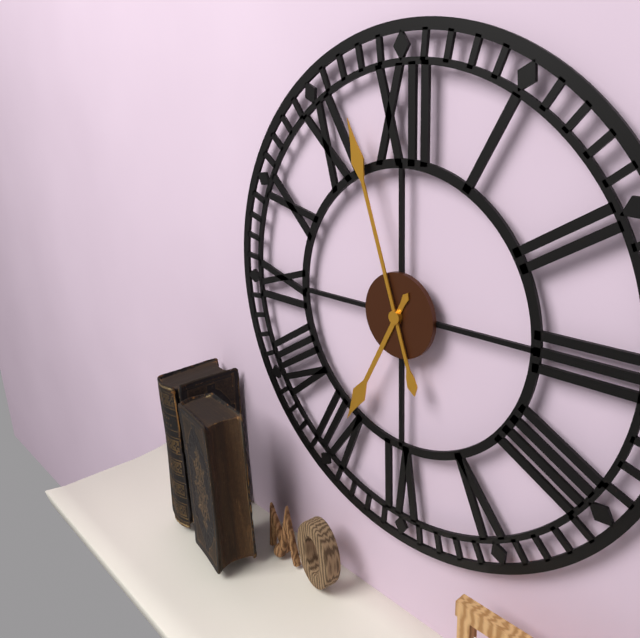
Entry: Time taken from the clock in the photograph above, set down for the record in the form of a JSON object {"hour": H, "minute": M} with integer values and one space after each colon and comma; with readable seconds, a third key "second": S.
{"hour": 6, "minute": 57}
